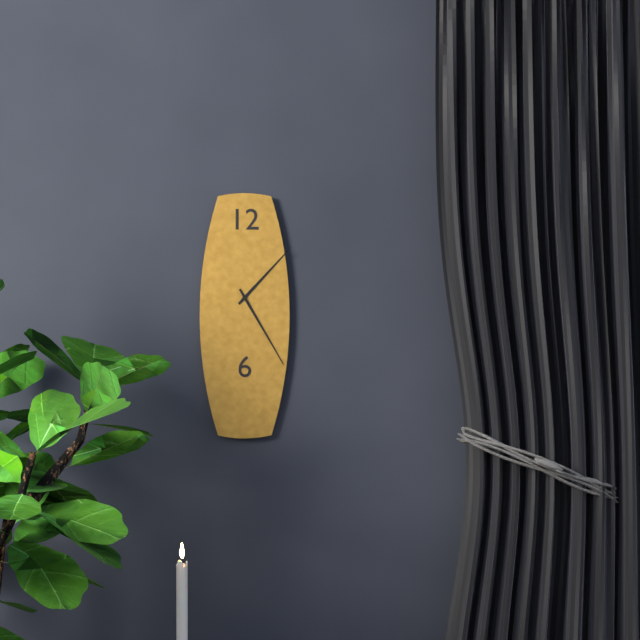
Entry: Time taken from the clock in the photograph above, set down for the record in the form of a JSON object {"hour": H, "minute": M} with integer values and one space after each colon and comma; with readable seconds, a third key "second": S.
{"hour": 1, "minute": 25}
